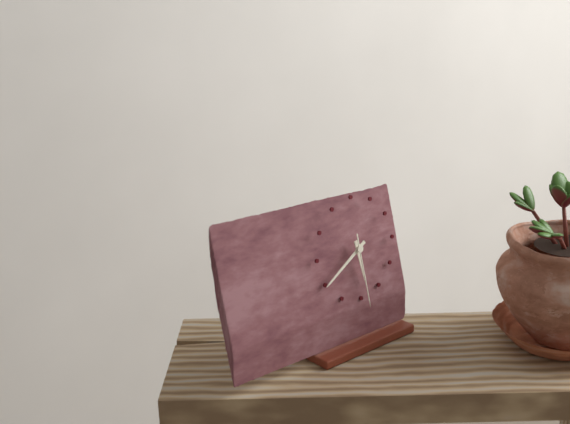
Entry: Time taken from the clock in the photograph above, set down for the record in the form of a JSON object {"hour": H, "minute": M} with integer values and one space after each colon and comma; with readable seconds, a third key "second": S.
{"hour": 5, "minute": 40, "second": 29}
